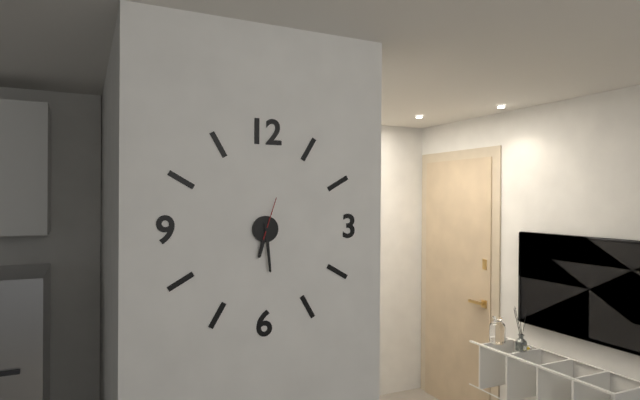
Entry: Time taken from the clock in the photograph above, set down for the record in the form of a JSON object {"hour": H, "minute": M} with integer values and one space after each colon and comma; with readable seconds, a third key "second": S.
{"hour": 6, "minute": 29}
